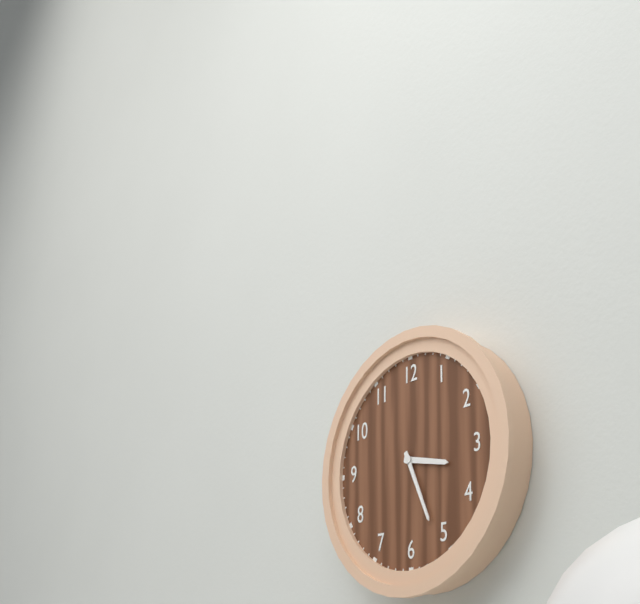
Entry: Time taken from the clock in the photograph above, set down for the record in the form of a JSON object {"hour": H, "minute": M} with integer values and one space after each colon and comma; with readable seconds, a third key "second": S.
{"hour": 3, "minute": 26}
